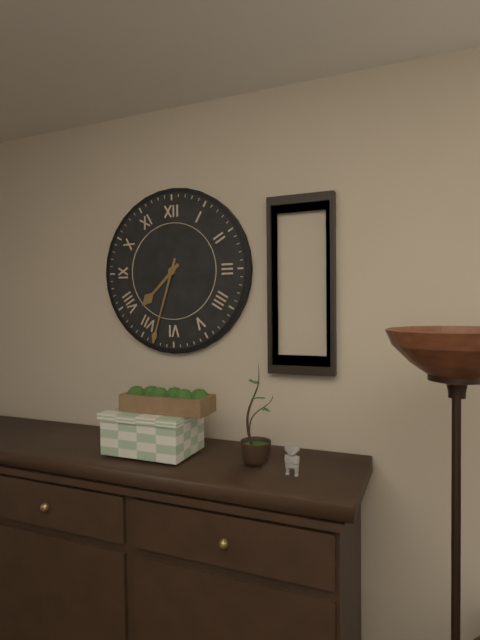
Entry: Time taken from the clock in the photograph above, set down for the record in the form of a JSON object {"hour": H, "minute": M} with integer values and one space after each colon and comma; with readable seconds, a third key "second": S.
{"hour": 7, "minute": 33}
